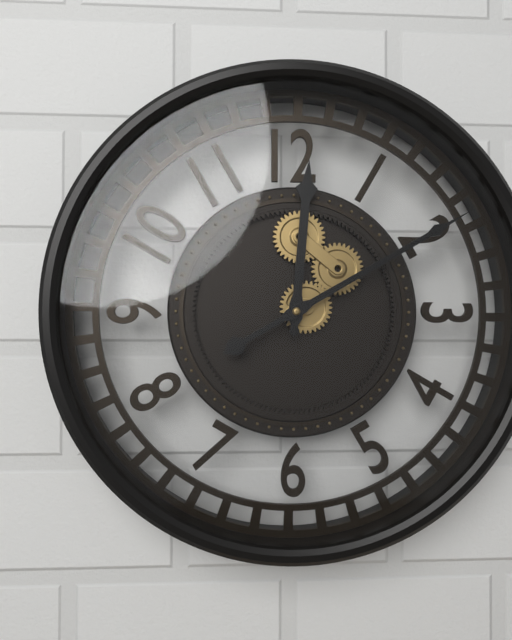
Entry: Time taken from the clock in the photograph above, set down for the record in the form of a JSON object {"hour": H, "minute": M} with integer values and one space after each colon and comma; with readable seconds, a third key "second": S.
{"hour": 12, "minute": 10}
